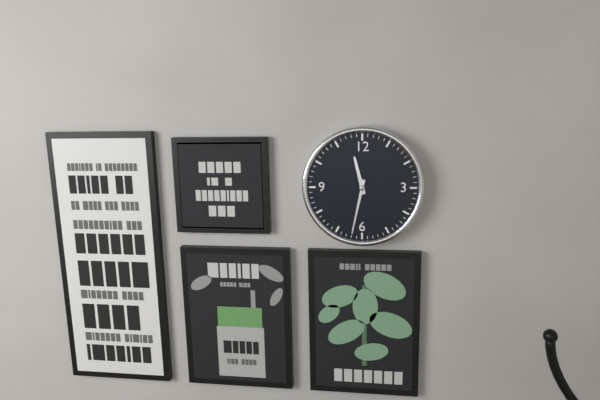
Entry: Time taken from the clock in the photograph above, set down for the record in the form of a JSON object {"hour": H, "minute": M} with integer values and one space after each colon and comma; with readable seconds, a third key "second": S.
{"hour": 11, "minute": 32}
